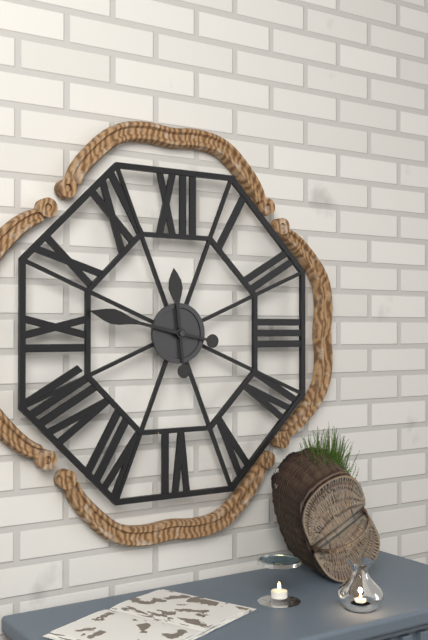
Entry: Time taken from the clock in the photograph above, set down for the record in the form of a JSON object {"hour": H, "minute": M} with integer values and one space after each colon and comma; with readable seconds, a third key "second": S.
{"hour": 11, "minute": 47}
